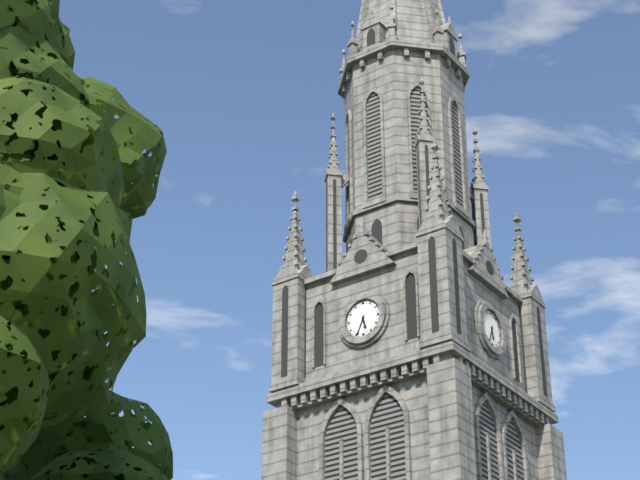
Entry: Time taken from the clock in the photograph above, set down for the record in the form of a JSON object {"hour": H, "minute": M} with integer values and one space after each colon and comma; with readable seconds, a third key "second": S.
{"hour": 5, "minute": 34}
